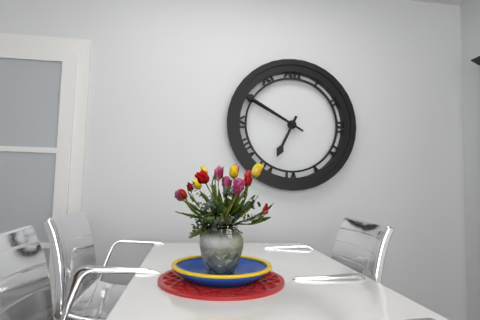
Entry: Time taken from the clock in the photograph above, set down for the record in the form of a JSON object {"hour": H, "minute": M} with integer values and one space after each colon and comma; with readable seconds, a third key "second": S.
{"hour": 6, "minute": 50}
